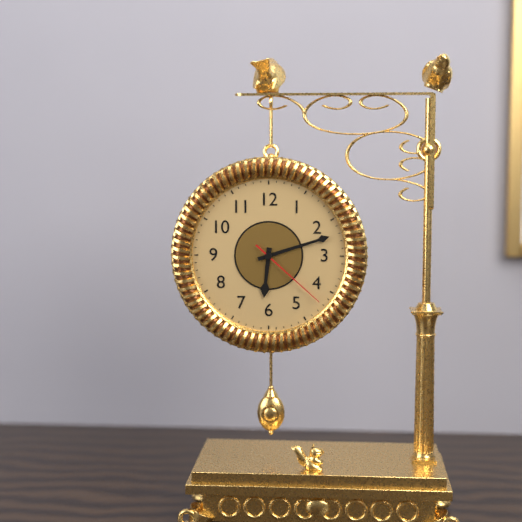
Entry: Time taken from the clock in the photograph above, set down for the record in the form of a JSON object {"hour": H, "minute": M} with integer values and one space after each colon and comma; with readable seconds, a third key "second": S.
{"hour": 6, "minute": 12, "second": 22}
